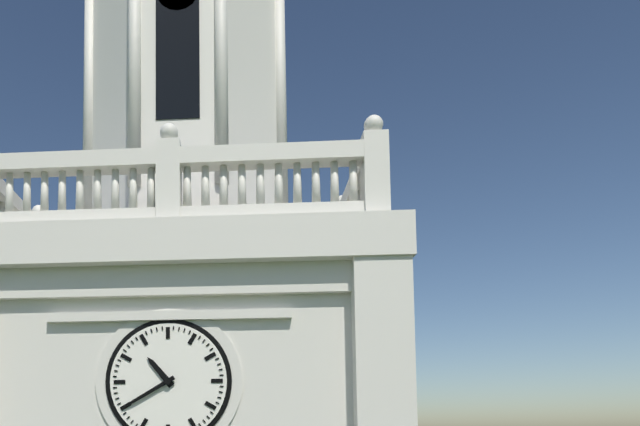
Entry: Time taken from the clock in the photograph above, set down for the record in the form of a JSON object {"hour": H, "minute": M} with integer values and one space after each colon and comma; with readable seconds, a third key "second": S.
{"hour": 10, "minute": 40}
